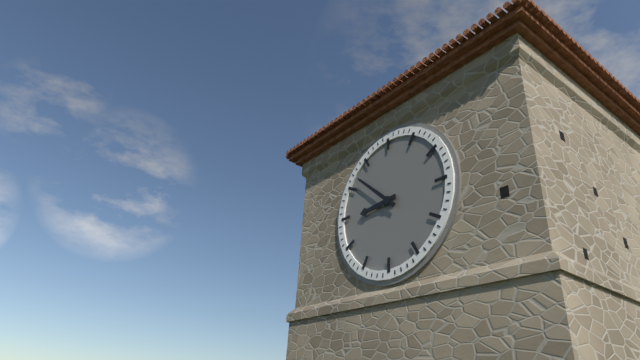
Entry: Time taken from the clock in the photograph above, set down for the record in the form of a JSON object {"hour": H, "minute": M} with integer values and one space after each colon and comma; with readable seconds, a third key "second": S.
{"hour": 8, "minute": 52}
